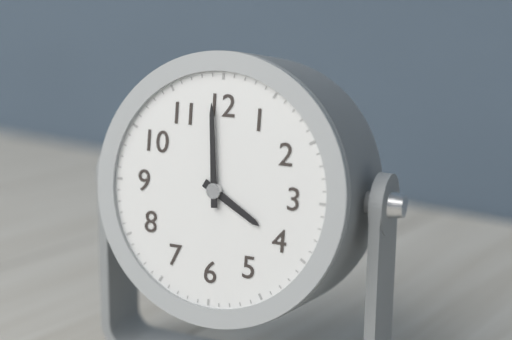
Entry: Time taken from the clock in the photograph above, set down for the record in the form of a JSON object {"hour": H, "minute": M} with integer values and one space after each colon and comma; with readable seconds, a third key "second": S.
{"hour": 3, "minute": 59}
